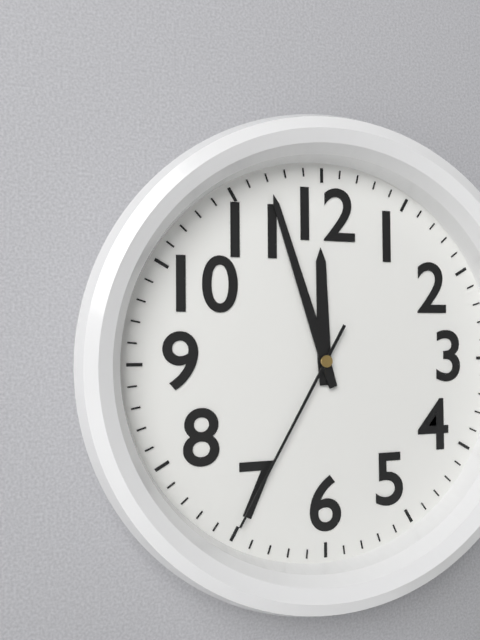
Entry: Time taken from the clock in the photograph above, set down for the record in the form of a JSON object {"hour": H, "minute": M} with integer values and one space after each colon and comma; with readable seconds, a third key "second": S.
{"hour": 11, "minute": 57, "second": 35}
